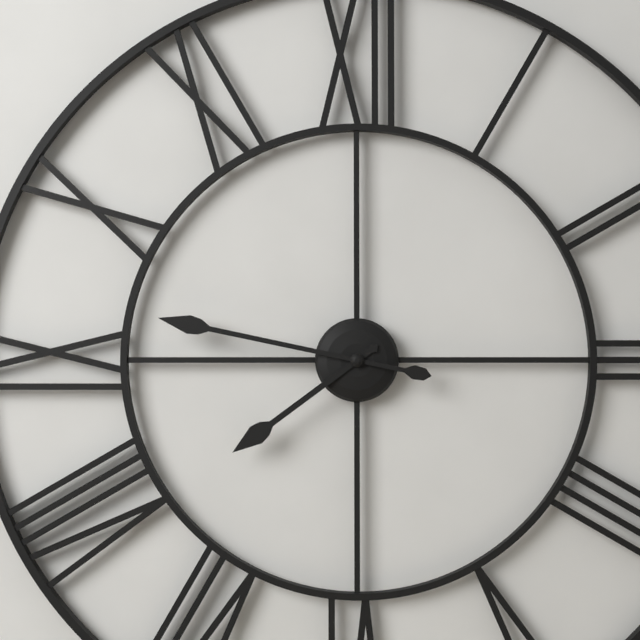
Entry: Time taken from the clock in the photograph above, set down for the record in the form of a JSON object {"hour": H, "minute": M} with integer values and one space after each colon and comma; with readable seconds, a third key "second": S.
{"hour": 7, "minute": 47}
